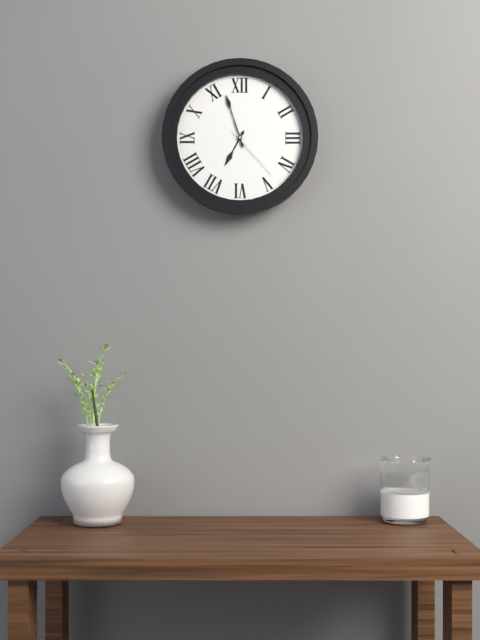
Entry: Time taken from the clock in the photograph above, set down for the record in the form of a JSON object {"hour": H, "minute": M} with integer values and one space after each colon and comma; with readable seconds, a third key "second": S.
{"hour": 6, "minute": 57, "second": 23}
